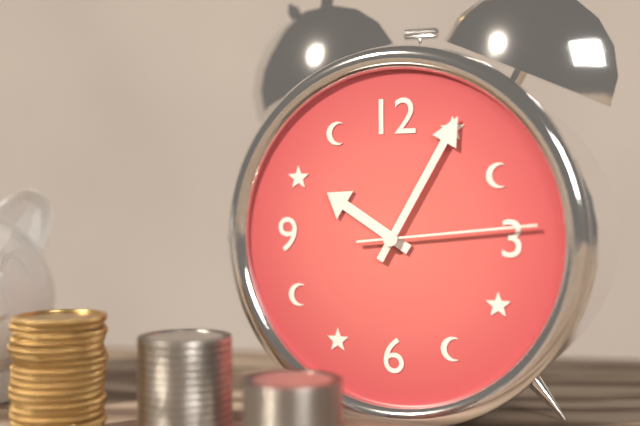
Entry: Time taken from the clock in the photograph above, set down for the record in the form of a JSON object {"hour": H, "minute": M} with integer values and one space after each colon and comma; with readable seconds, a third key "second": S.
{"hour": 10, "minute": 5, "second": 14}
